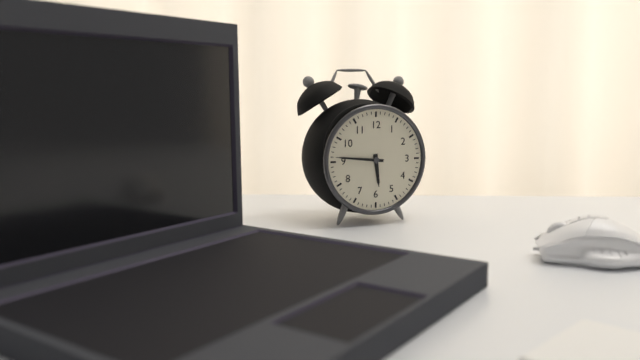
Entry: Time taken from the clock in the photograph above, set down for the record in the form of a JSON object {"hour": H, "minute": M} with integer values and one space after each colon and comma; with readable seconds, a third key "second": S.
{"hour": 5, "minute": 46}
